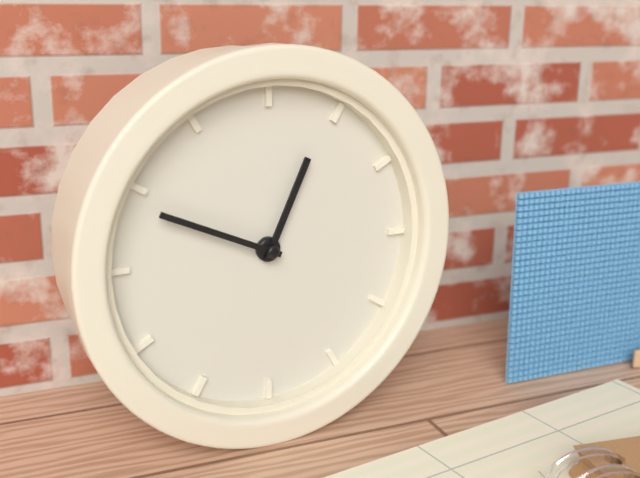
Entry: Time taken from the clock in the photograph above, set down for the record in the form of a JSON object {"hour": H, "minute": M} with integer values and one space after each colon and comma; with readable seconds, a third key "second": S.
{"hour": 12, "minute": 49}
